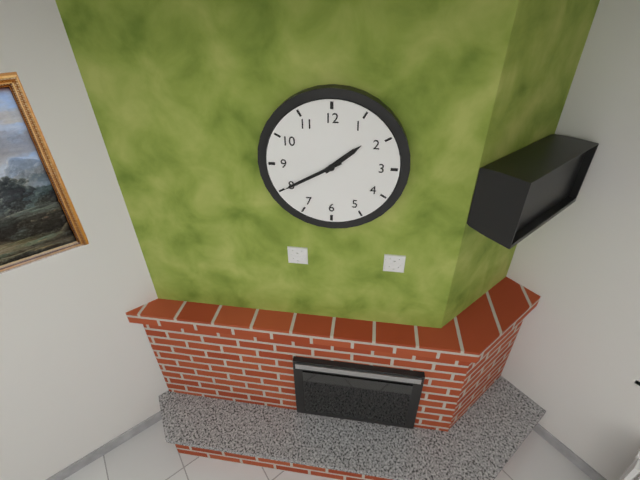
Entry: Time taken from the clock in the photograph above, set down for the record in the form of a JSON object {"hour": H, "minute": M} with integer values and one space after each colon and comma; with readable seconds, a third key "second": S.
{"hour": 1, "minute": 40}
